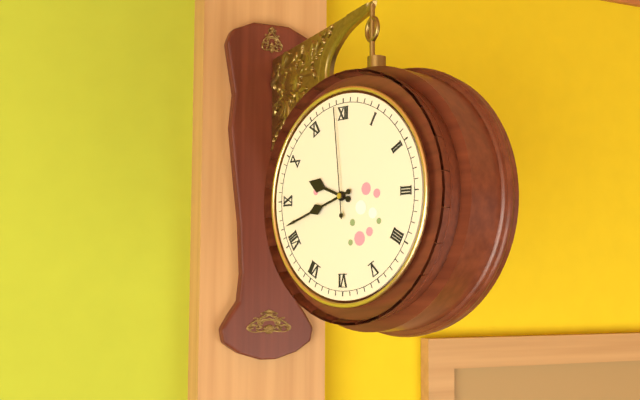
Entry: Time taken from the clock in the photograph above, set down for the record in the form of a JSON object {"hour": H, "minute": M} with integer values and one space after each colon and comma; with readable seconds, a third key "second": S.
{"hour": 9, "minute": 42, "second": 59}
